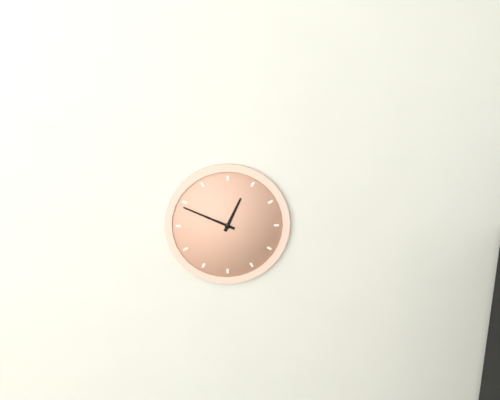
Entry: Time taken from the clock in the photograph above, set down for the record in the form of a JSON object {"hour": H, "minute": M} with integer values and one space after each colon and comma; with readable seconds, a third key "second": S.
{"hour": 12, "minute": 49}
